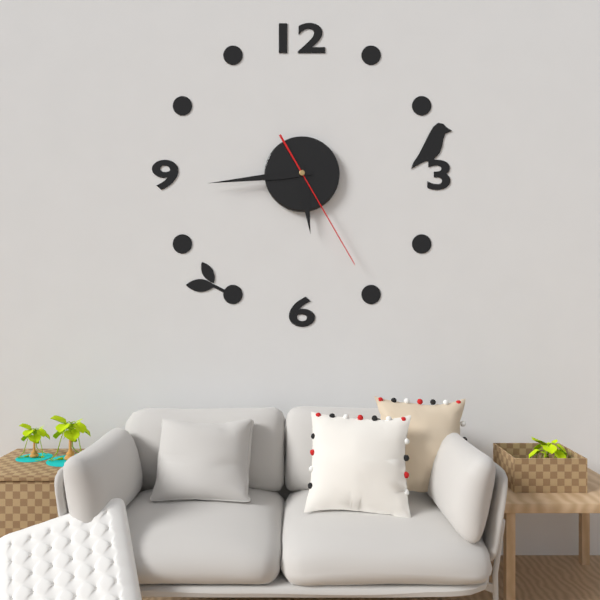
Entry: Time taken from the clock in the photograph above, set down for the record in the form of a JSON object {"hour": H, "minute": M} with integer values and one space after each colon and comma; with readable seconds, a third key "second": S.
{"hour": 5, "minute": 44, "second": 25}
